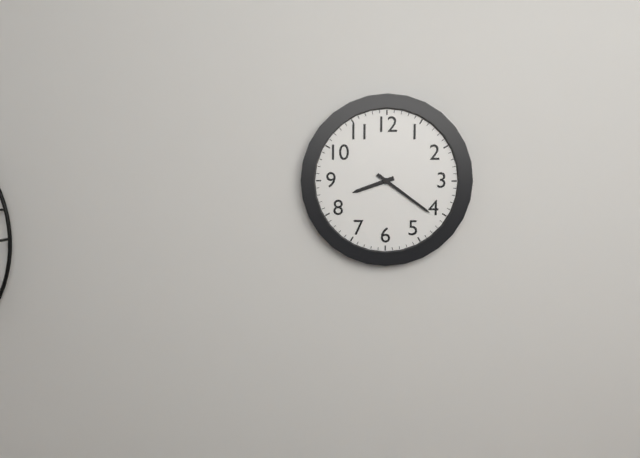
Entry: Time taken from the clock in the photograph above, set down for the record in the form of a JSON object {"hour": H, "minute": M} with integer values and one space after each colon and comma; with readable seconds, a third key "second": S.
{"hour": 8, "minute": 21}
